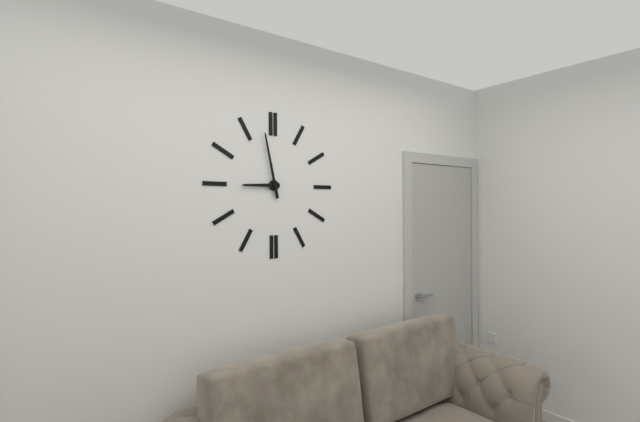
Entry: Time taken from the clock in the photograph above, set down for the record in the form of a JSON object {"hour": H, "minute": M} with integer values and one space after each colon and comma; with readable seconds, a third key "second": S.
{"hour": 8, "minute": 58}
